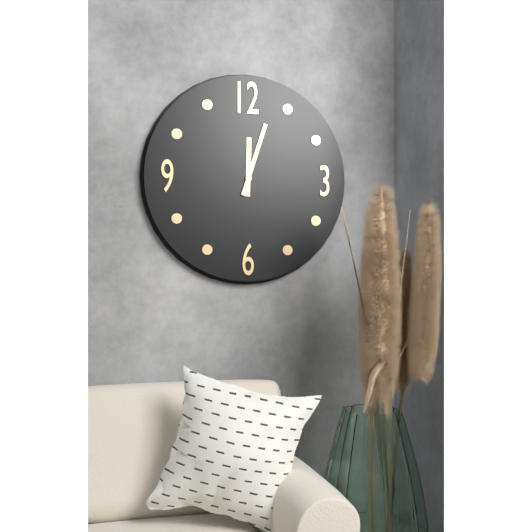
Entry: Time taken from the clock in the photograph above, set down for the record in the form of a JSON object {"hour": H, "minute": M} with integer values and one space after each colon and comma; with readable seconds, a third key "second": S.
{"hour": 12, "minute": 3}
